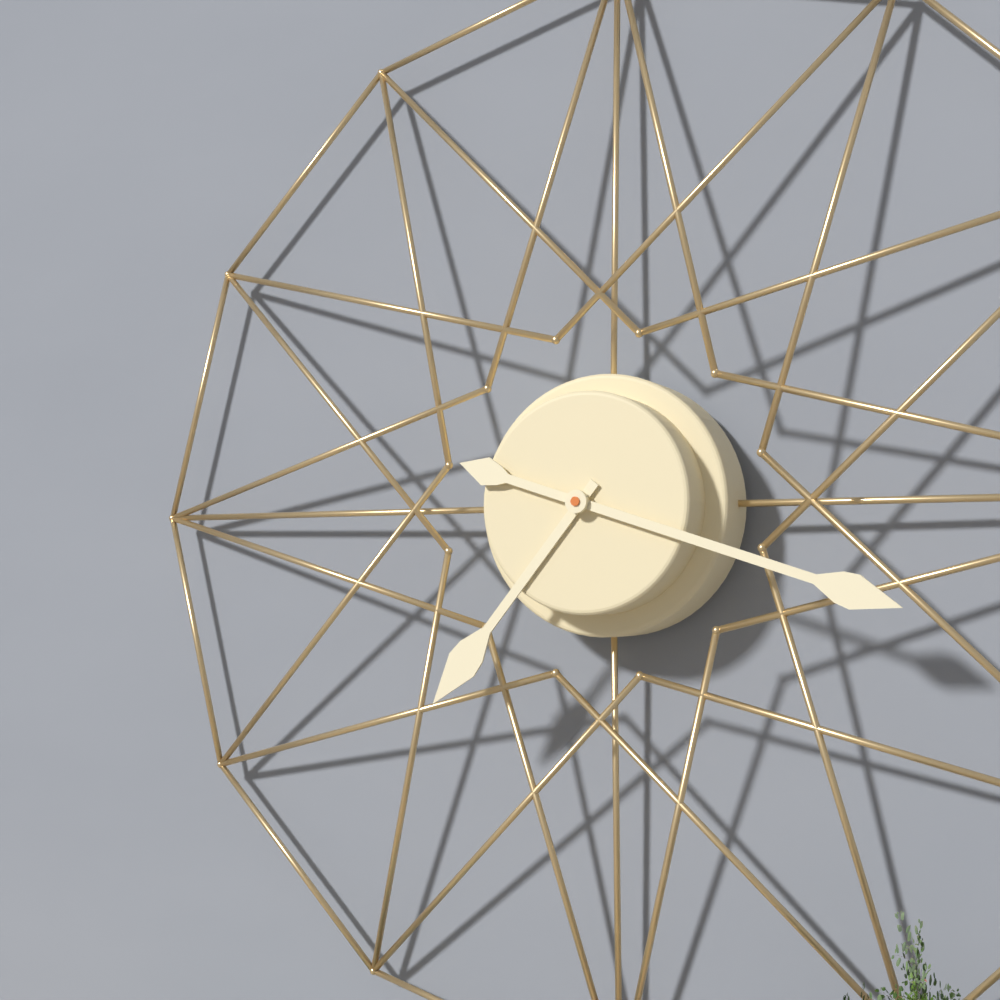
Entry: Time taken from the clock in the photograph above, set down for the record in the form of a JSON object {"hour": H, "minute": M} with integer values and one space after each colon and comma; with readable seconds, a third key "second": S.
{"hour": 7, "minute": 18}
